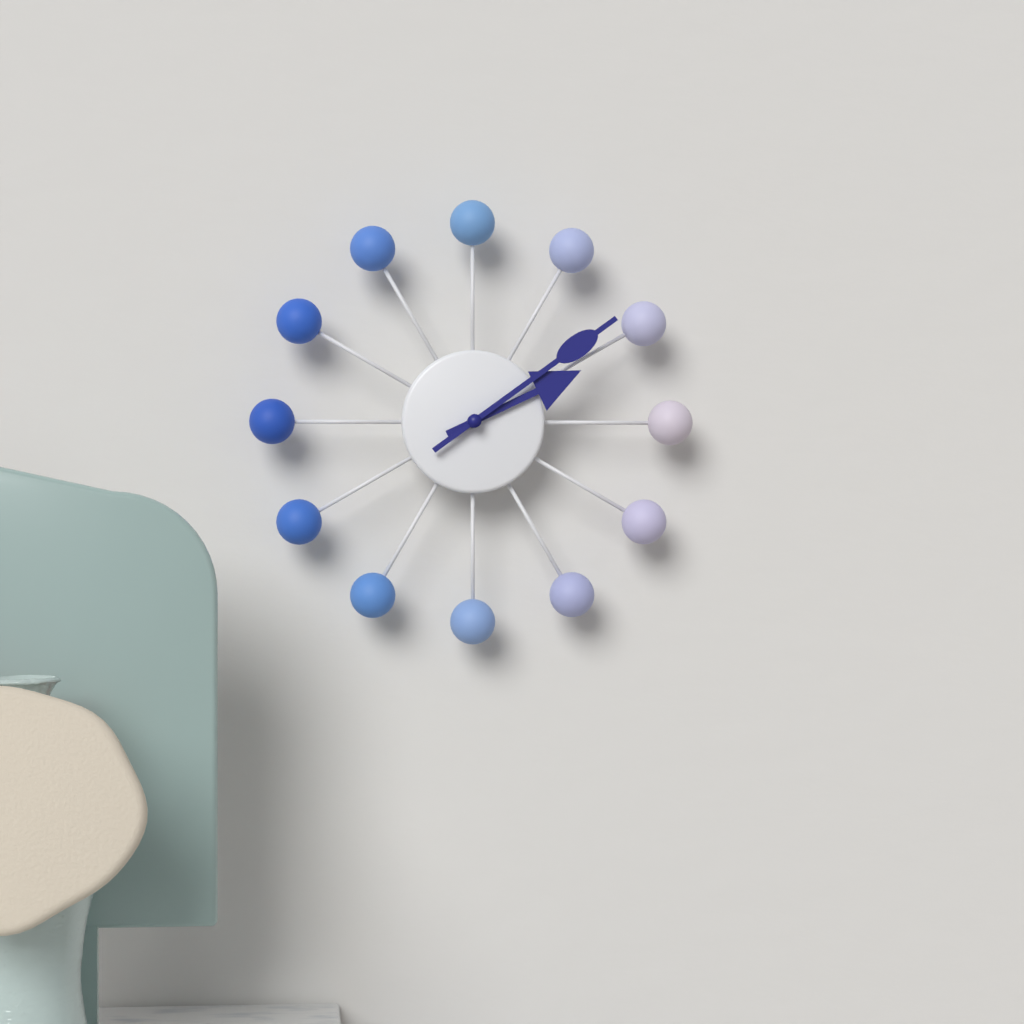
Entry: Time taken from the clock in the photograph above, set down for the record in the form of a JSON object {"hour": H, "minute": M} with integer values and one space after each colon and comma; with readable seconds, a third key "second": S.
{"hour": 2, "minute": 9}
